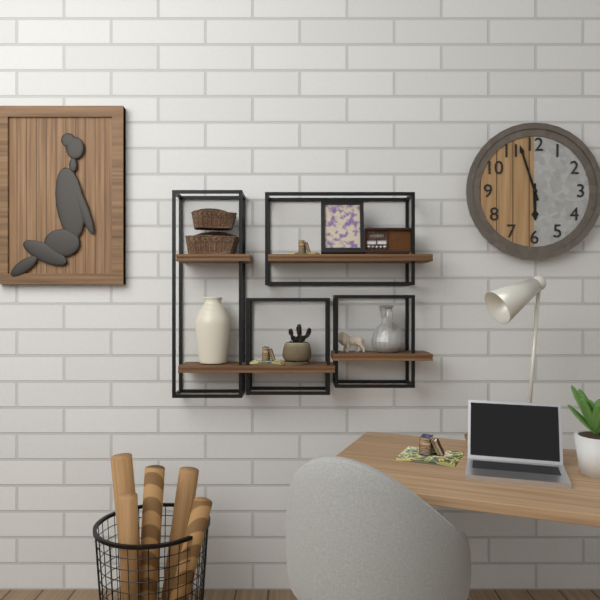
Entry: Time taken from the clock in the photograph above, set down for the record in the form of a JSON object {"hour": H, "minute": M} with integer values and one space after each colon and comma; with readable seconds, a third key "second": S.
{"hour": 5, "minute": 57}
